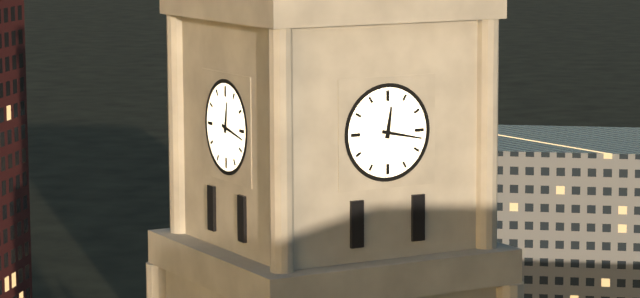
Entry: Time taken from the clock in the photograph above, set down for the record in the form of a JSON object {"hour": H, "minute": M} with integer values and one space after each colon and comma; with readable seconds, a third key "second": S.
{"hour": 12, "minute": 17}
